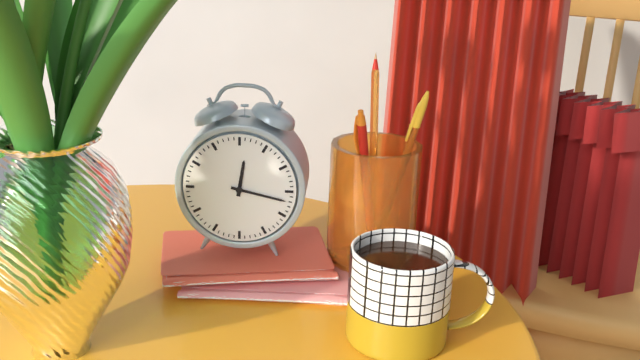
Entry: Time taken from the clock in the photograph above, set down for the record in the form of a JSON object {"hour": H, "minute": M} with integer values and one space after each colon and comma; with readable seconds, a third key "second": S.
{"hour": 12, "minute": 17}
